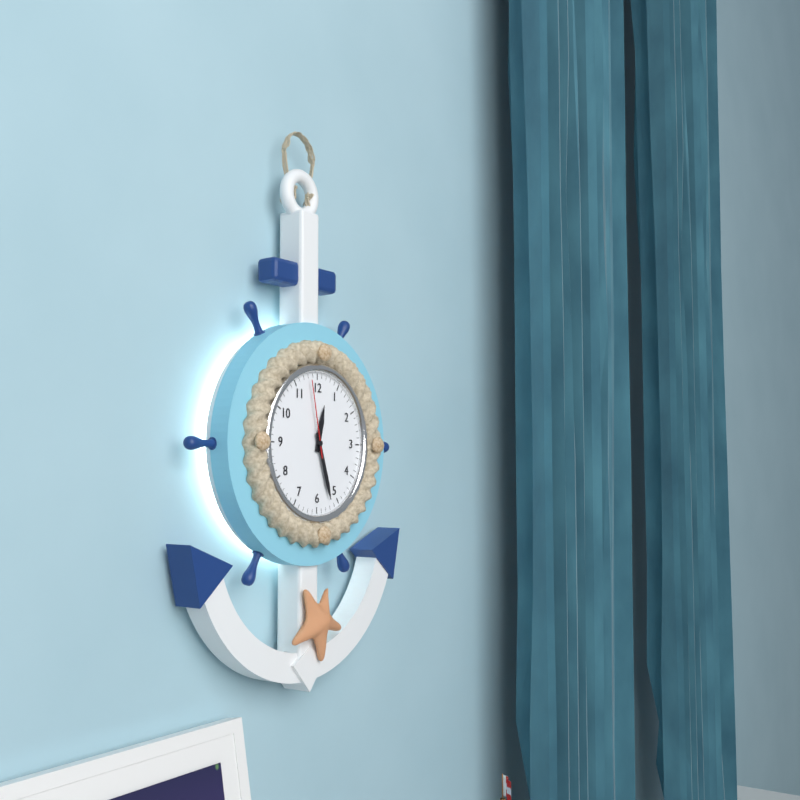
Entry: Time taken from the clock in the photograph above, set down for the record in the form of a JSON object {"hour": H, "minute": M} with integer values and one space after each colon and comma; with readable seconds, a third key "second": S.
{"hour": 12, "minute": 27, "second": 58}
